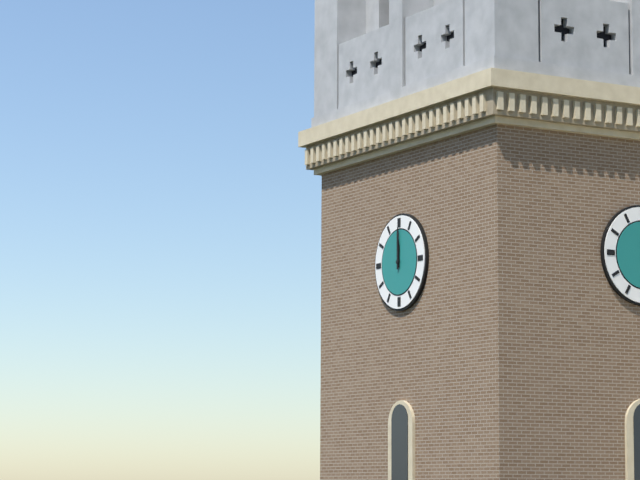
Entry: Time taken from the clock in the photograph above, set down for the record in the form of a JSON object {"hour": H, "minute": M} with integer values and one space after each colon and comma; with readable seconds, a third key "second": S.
{"hour": 12, "minute": 0}
